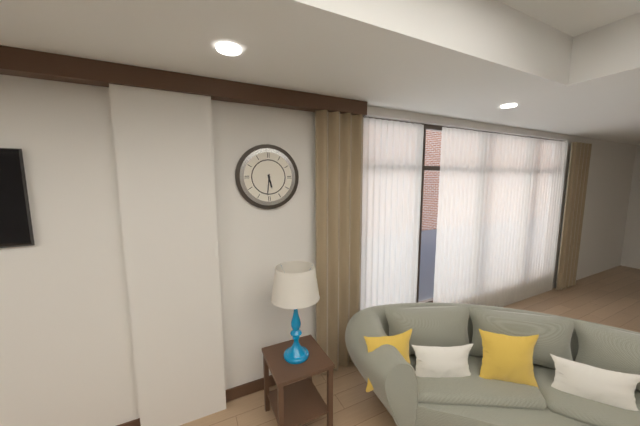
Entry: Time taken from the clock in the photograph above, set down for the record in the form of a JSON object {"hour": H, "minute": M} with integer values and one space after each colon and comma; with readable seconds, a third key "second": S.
{"hour": 5, "minute": 31}
